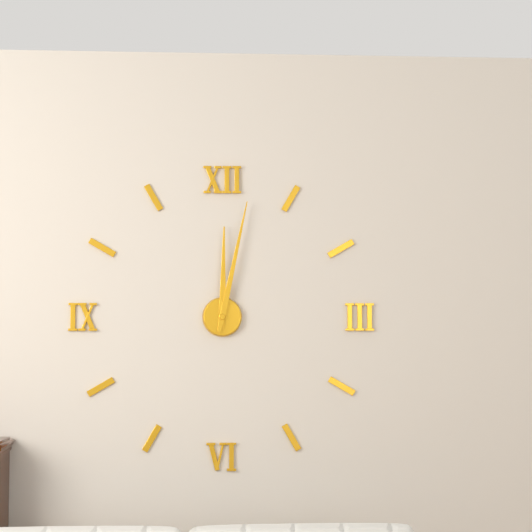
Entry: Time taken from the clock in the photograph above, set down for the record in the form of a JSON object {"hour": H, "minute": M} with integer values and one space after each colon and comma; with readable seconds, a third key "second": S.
{"hour": 12, "minute": 2}
